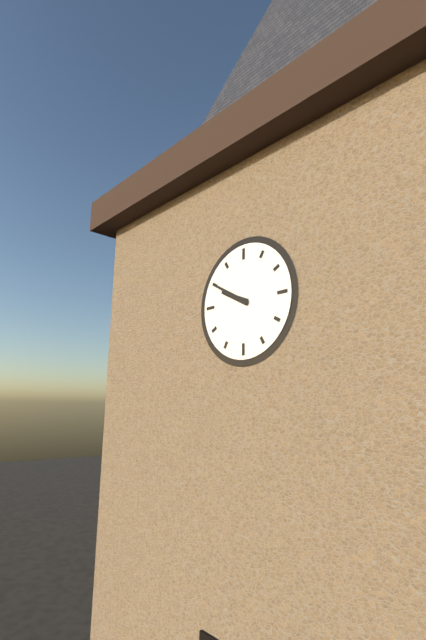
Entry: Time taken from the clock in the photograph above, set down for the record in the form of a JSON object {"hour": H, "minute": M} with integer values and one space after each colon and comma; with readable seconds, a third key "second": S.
{"hour": 9, "minute": 50}
